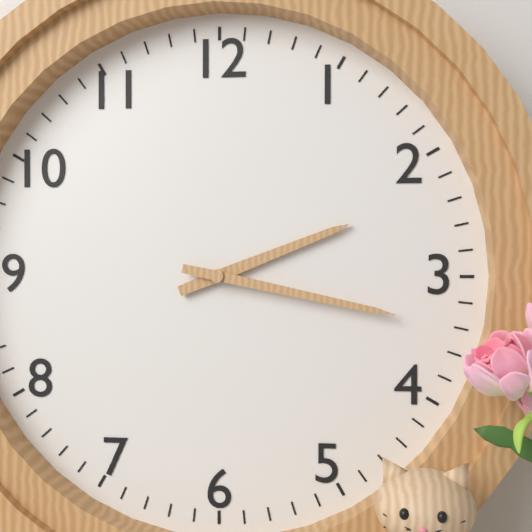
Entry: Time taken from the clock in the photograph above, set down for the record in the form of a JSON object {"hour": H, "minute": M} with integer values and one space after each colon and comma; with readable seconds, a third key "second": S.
{"hour": 2, "minute": 17}
